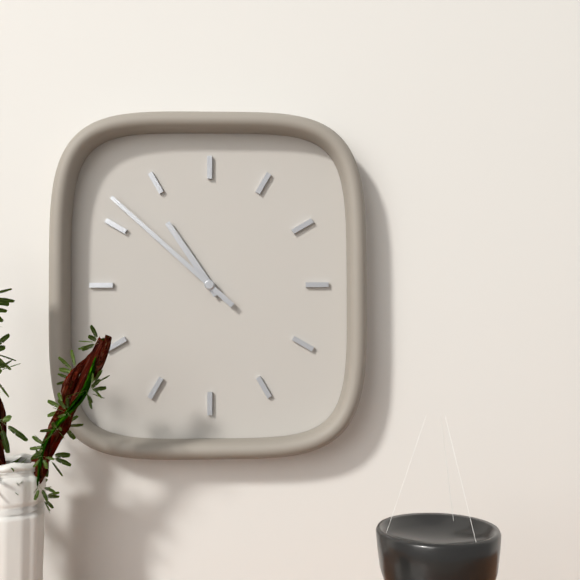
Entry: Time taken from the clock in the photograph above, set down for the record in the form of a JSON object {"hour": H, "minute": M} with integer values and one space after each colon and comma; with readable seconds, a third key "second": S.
{"hour": 10, "minute": 52}
